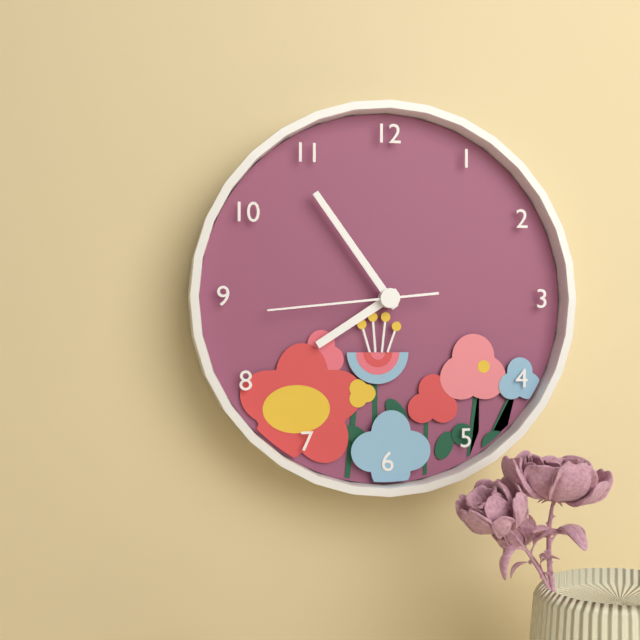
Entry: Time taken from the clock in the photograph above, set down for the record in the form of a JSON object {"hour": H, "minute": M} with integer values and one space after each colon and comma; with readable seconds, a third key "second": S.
{"hour": 7, "minute": 54, "second": 44}
